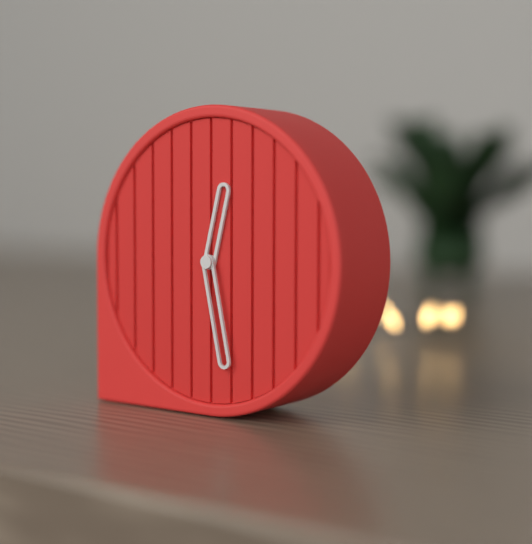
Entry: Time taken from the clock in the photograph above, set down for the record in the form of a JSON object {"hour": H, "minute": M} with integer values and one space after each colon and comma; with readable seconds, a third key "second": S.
{"hour": 12, "minute": 28}
